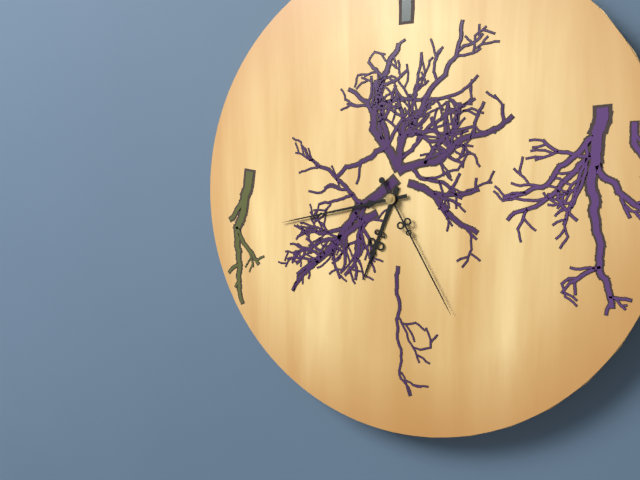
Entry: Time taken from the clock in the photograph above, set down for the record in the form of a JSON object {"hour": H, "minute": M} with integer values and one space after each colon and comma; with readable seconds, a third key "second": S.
{"hour": 6, "minute": 43, "second": 25}
